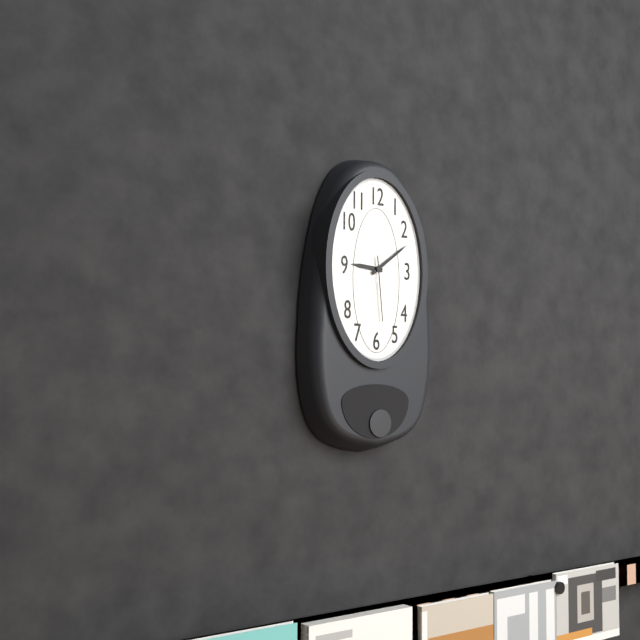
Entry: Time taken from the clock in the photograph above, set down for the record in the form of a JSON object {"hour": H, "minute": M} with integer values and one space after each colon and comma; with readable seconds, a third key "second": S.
{"hour": 9, "minute": 9, "second": 29}
